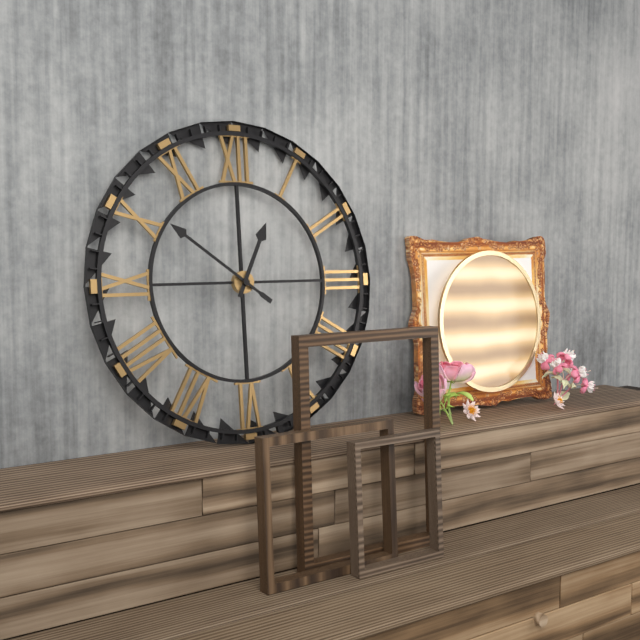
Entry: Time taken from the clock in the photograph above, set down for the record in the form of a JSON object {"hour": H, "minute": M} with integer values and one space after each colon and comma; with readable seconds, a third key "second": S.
{"hour": 12, "minute": 51}
